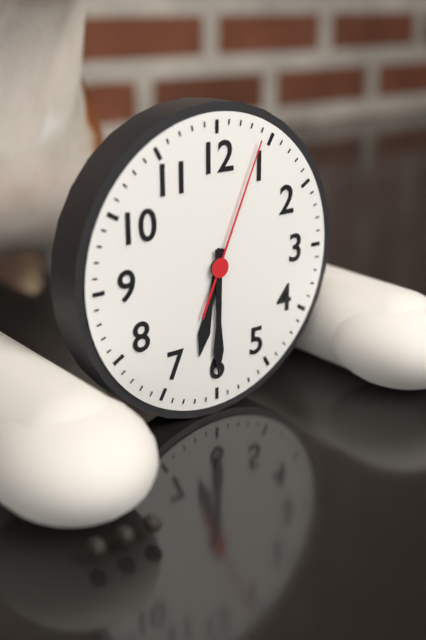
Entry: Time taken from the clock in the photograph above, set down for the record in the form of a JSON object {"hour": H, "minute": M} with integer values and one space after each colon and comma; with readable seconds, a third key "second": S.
{"hour": 6, "minute": 30, "second": 4}
